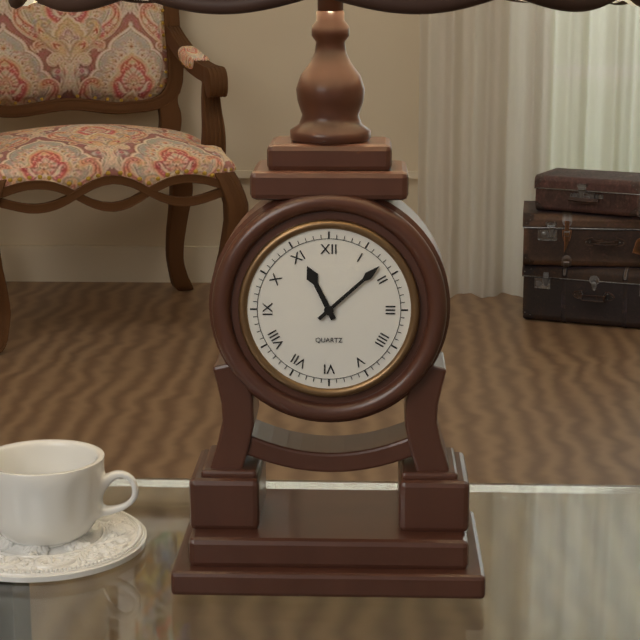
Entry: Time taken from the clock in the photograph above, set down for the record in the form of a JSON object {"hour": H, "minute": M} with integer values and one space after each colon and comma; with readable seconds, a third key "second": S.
{"hour": 11, "minute": 8}
